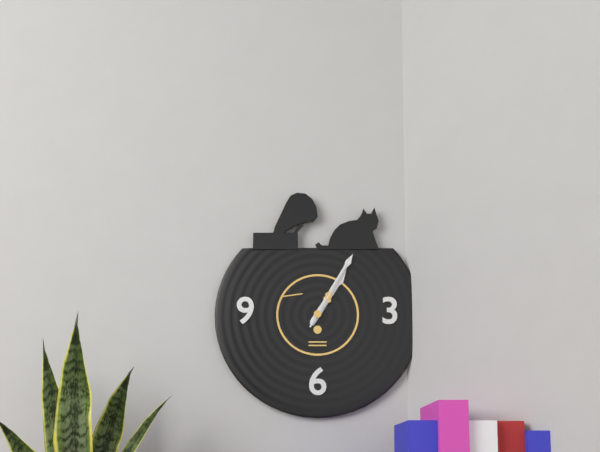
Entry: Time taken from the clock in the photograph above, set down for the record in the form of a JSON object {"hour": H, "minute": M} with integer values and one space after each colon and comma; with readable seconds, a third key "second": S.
{"hour": 1, "minute": 5, "second": 5}
